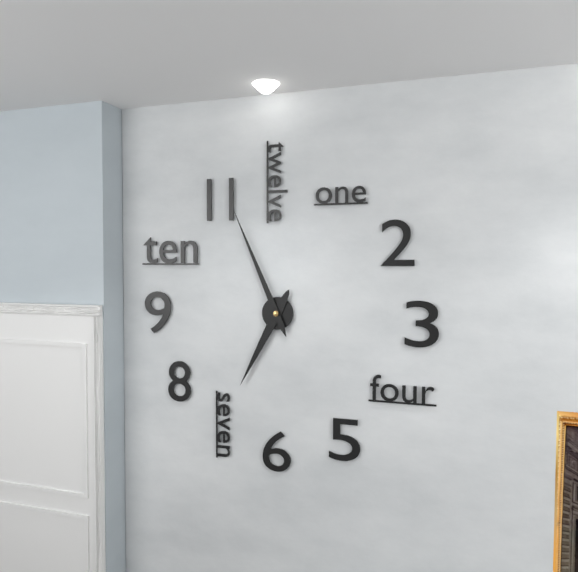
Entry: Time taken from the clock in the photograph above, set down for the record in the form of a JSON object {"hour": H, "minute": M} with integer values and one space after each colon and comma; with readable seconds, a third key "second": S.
{"hour": 6, "minute": 56}
